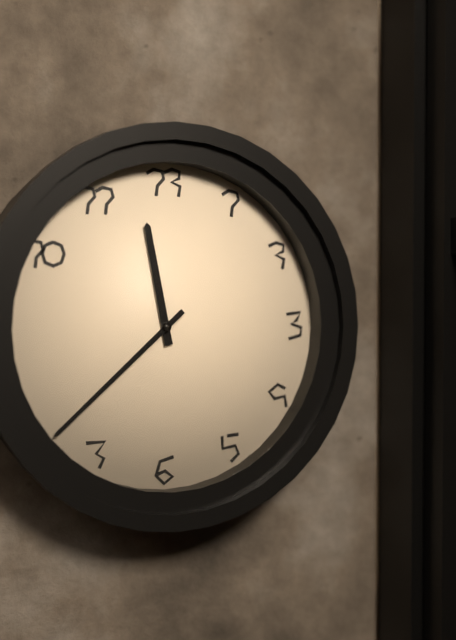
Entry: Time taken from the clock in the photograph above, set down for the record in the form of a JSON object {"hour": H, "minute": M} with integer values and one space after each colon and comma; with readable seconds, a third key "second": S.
{"hour": 11, "minute": 38}
